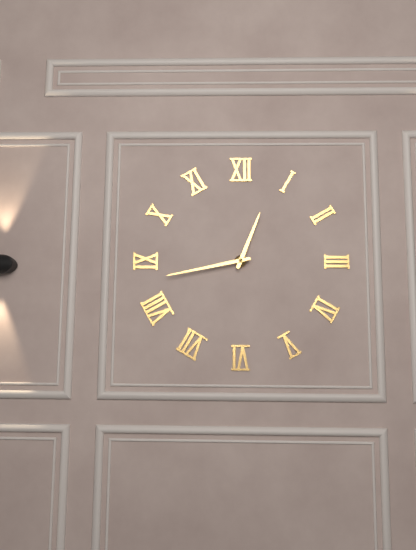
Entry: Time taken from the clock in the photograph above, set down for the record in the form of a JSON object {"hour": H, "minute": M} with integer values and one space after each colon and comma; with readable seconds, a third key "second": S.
{"hour": 12, "minute": 43}
